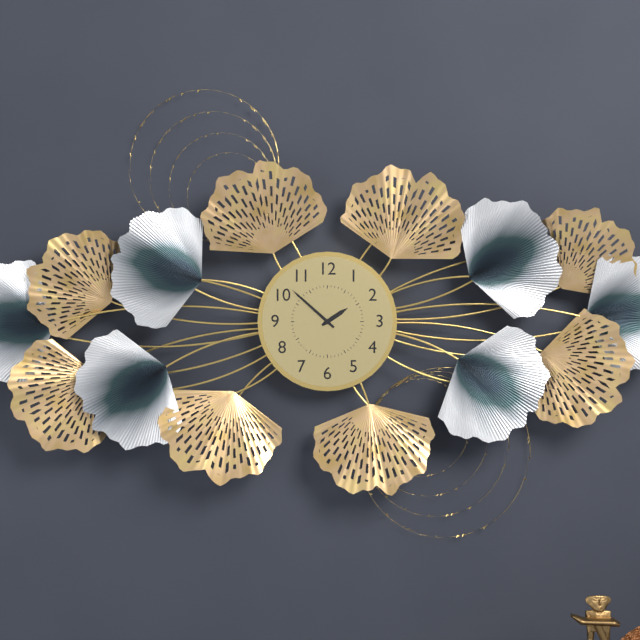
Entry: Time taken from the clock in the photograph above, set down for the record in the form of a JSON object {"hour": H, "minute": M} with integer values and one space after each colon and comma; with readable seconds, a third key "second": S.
{"hour": 1, "minute": 52}
